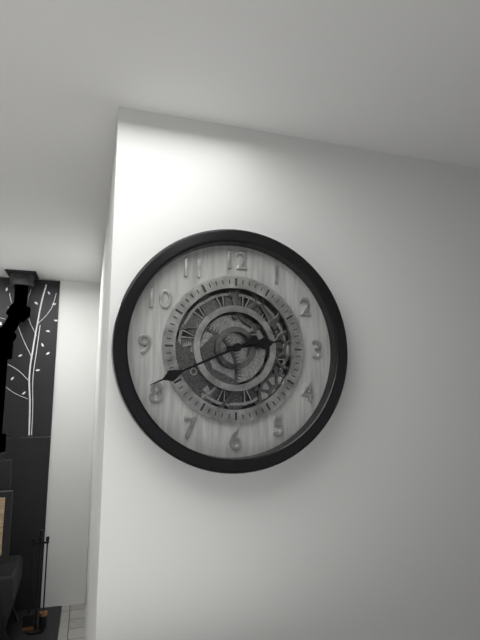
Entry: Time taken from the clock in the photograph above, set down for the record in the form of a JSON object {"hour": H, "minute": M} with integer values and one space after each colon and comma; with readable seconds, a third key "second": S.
{"hour": 2, "minute": 41}
